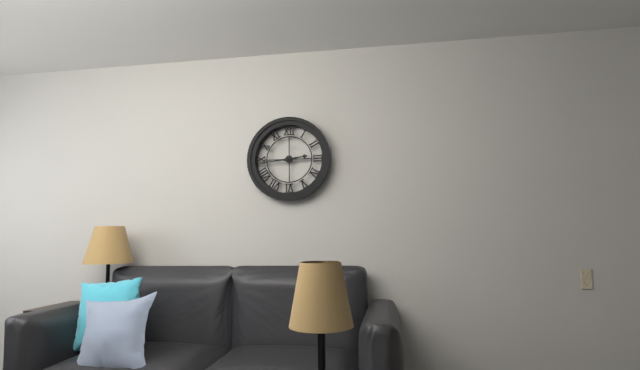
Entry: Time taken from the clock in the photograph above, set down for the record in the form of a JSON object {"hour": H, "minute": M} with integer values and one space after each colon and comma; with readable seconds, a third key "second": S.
{"hour": 2, "minute": 44}
